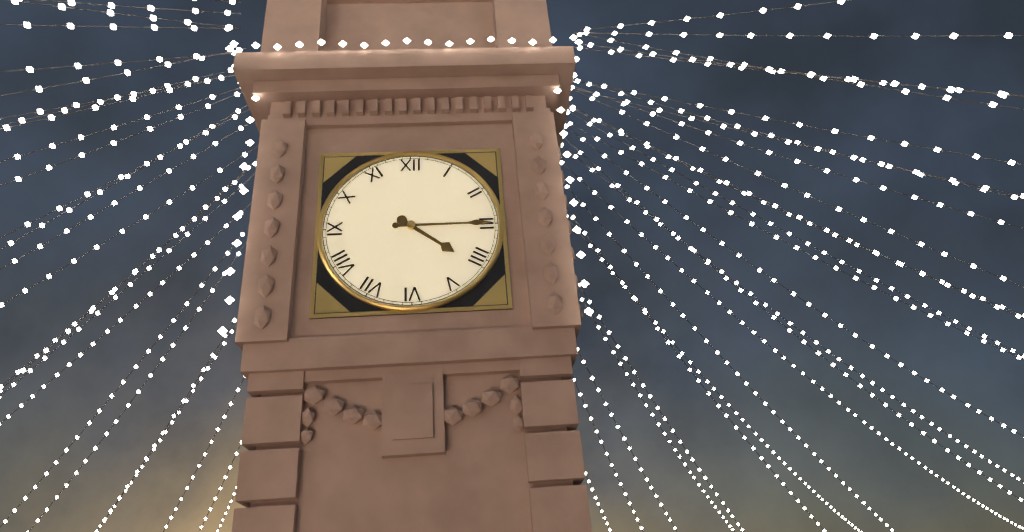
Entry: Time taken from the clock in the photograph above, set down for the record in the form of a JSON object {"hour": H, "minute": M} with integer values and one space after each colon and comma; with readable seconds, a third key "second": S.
{"hour": 4, "minute": 15}
